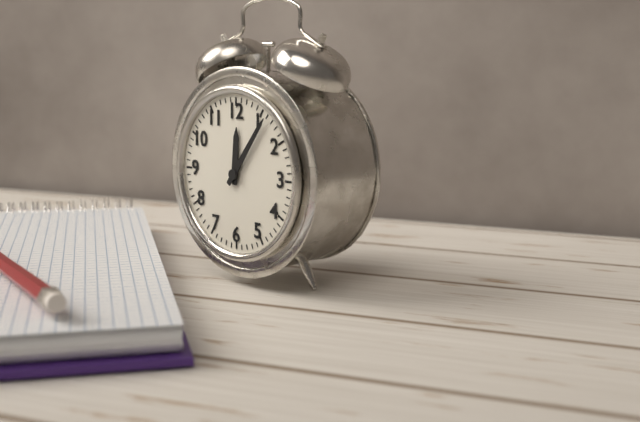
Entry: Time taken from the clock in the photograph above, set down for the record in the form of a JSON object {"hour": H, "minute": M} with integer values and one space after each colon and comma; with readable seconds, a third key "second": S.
{"hour": 12, "minute": 6}
